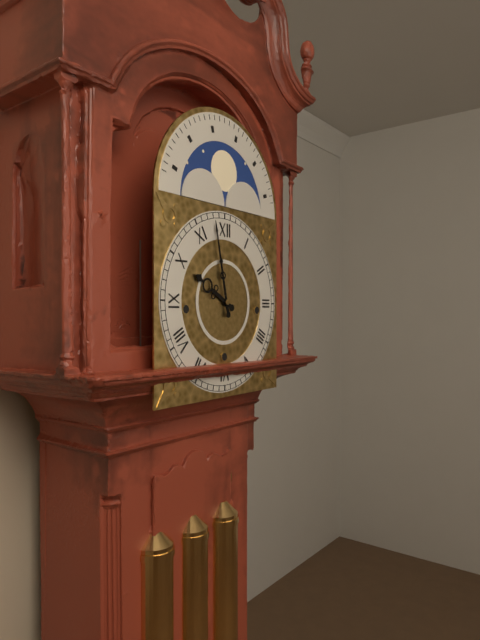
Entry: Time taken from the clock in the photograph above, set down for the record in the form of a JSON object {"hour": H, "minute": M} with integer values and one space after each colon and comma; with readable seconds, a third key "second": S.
{"hour": 9, "minute": 58}
